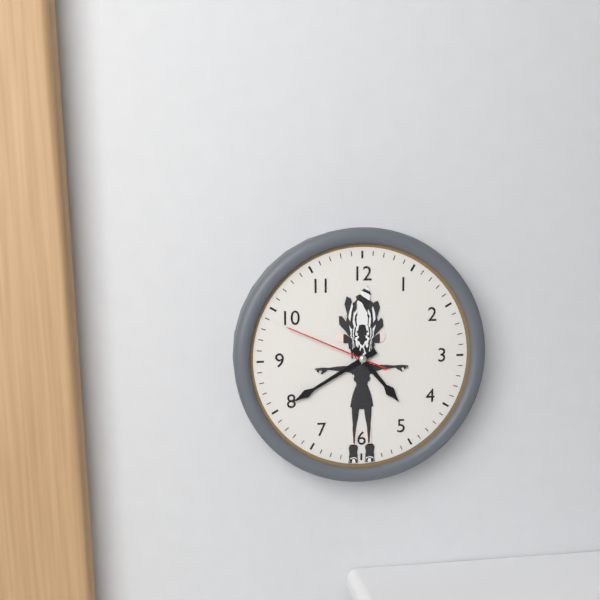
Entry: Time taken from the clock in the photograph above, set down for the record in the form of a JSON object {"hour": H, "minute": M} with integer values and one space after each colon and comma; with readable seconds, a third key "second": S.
{"hour": 4, "minute": 40, "second": 49}
